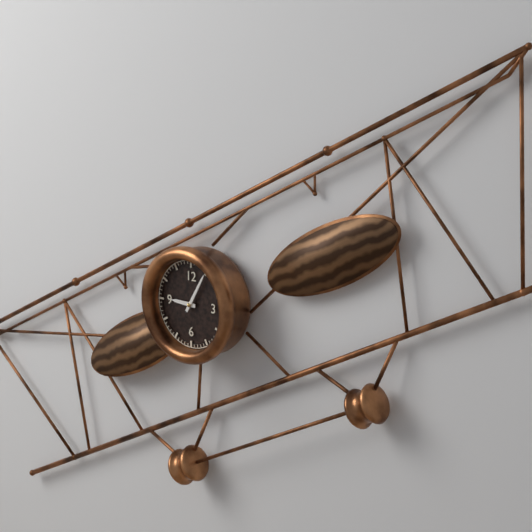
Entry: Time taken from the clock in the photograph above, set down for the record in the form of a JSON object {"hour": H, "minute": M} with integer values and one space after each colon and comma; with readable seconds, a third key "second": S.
{"hour": 9, "minute": 5}
